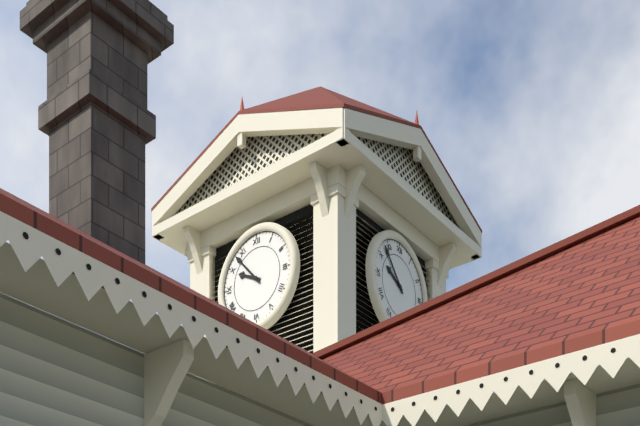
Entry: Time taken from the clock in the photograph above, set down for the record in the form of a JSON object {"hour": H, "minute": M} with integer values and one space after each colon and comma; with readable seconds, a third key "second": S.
{"hour": 9, "minute": 53}
